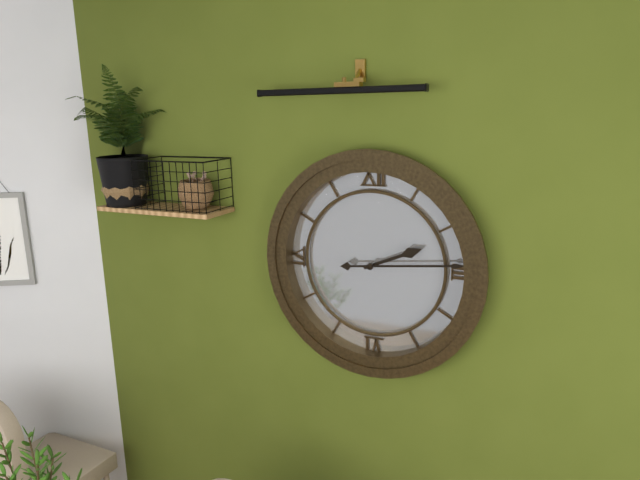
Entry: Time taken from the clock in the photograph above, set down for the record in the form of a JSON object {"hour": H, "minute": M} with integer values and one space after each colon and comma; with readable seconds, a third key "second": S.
{"hour": 2, "minute": 14}
